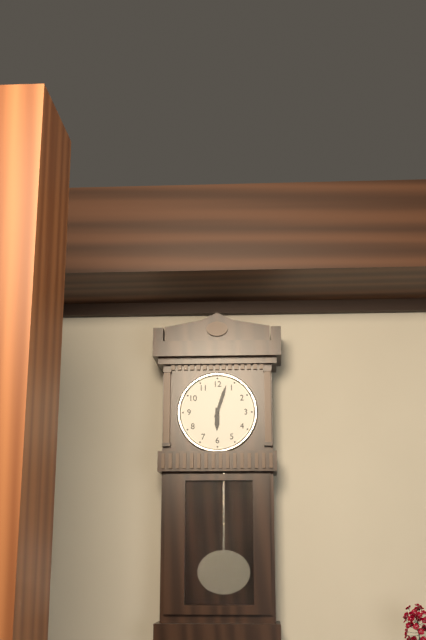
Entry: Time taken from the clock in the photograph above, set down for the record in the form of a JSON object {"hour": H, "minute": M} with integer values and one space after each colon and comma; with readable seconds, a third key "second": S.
{"hour": 6, "minute": 3}
